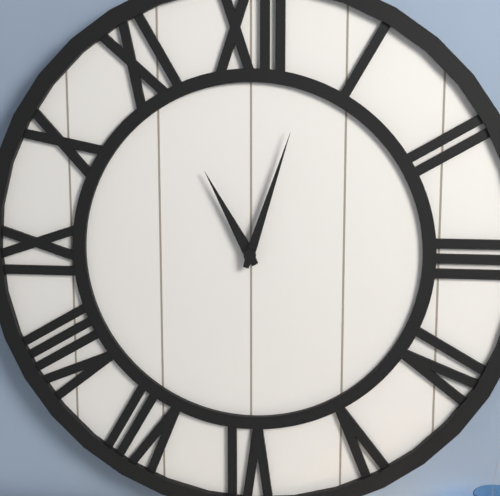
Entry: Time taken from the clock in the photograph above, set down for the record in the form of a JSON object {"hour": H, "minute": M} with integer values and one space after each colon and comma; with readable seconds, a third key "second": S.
{"hour": 11, "minute": 3}
